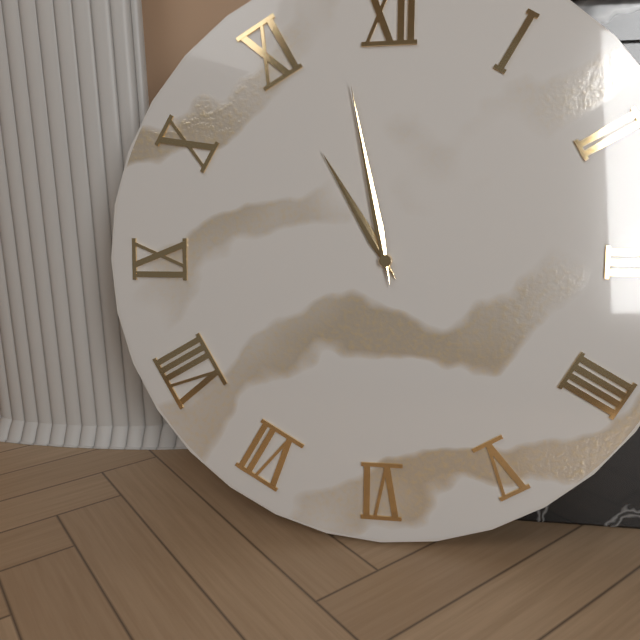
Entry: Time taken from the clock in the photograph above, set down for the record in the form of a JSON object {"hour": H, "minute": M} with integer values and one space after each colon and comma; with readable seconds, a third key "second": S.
{"hour": 10, "minute": 58}
